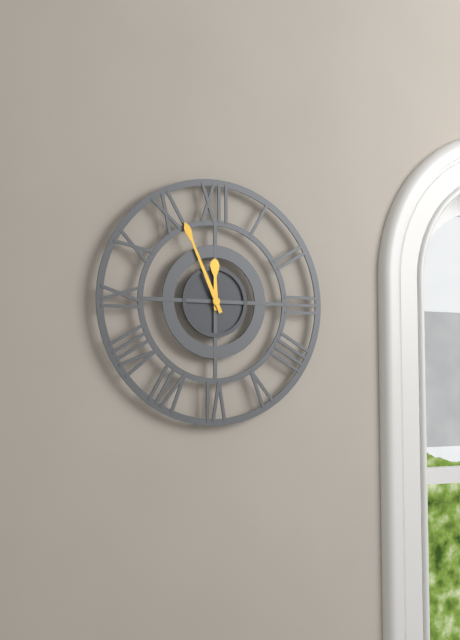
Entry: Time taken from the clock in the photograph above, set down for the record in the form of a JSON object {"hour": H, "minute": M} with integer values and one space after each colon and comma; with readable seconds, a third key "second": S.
{"hour": 11, "minute": 56}
